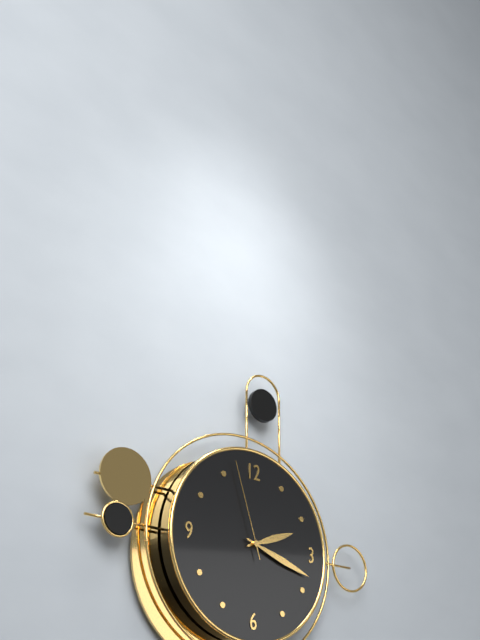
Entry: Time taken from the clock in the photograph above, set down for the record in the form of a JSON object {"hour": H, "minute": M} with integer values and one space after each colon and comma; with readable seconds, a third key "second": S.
{"hour": 2, "minute": 18, "second": 57}
